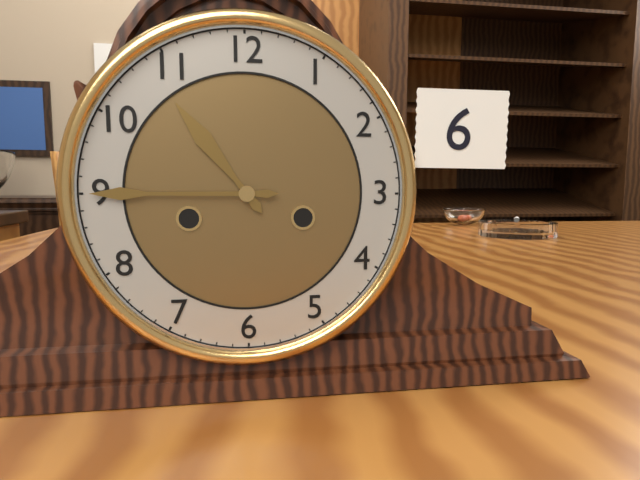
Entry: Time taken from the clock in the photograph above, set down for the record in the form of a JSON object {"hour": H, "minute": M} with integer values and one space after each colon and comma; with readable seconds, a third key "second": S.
{"hour": 10, "minute": 45}
